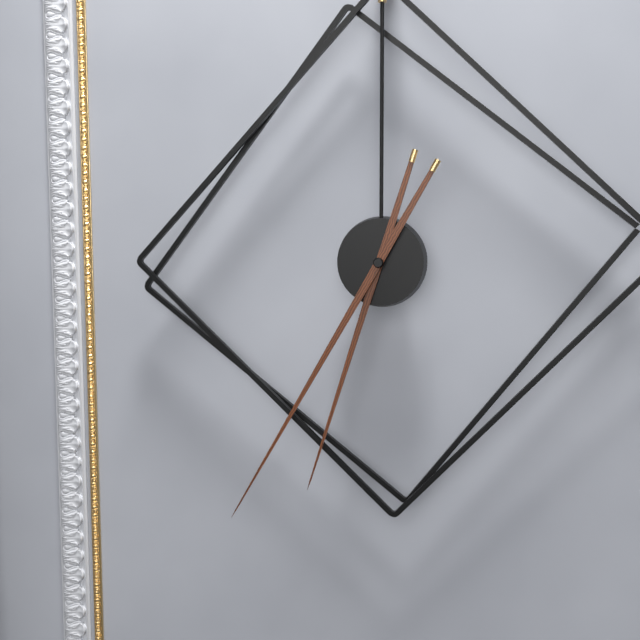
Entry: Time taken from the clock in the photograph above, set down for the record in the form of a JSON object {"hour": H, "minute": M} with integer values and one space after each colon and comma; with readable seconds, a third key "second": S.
{"hour": 6, "minute": 35}
